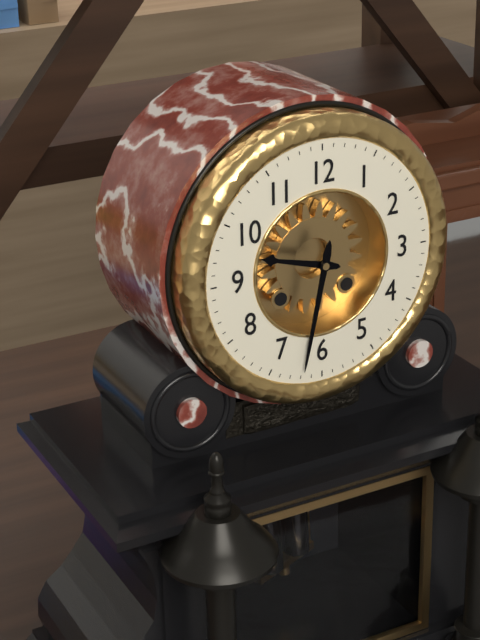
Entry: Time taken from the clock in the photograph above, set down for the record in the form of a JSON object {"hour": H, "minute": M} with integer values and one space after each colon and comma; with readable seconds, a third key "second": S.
{"hour": 9, "minute": 32}
